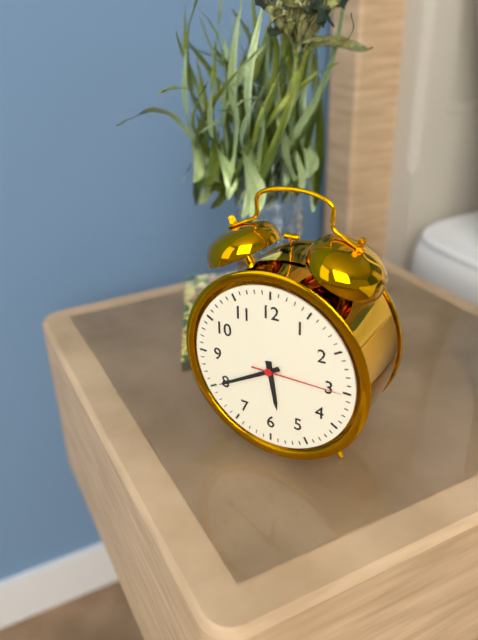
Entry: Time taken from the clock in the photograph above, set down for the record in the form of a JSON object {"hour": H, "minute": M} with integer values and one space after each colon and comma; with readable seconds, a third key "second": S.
{"hour": 5, "minute": 40, "second": 15}
